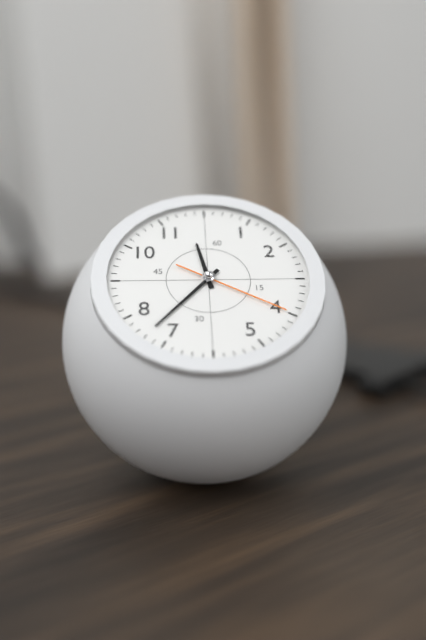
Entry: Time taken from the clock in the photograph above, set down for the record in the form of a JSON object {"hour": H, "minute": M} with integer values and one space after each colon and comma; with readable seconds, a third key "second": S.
{"hour": 11, "minute": 37, "second": 20}
